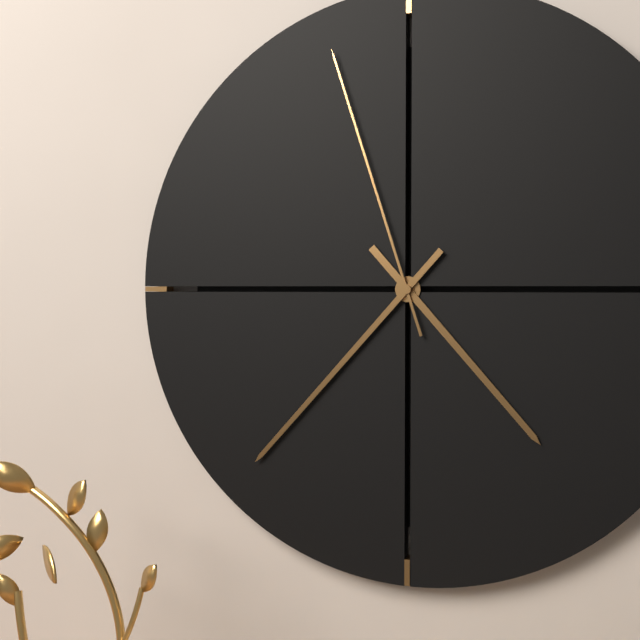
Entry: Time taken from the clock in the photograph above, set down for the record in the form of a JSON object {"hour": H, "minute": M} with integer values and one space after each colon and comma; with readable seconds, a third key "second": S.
{"hour": 4, "minute": 37, "second": 57}
